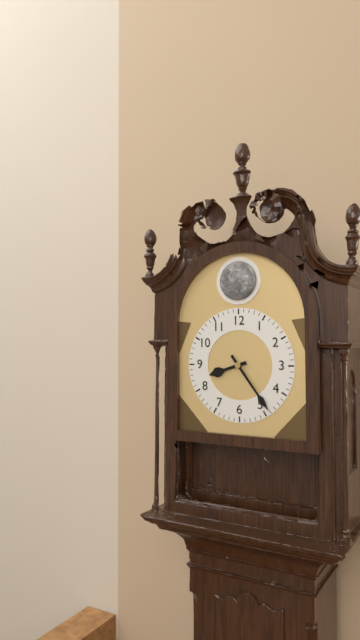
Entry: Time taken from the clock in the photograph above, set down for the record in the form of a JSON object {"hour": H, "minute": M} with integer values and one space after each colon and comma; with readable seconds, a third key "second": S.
{"hour": 8, "minute": 24}
